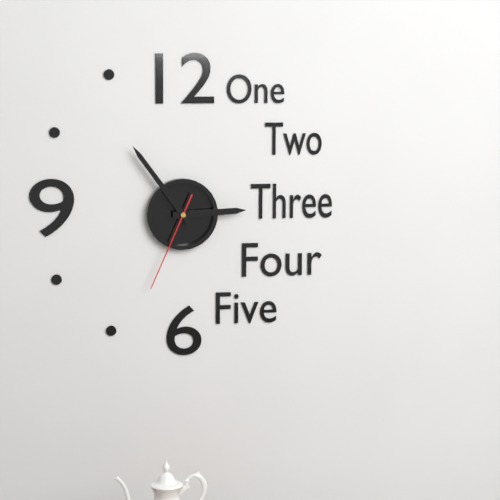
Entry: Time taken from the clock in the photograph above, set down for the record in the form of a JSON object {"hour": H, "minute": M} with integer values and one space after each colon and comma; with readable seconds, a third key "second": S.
{"hour": 2, "minute": 54, "second": 34}
